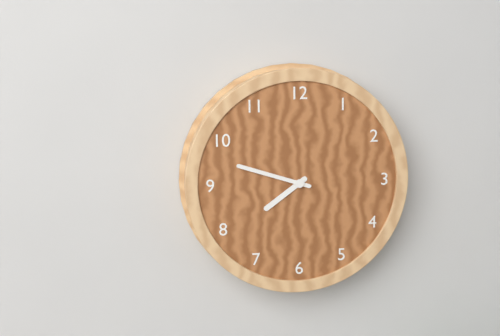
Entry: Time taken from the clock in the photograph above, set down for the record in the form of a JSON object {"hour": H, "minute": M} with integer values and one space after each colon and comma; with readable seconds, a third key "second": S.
{"hour": 7, "minute": 48}
